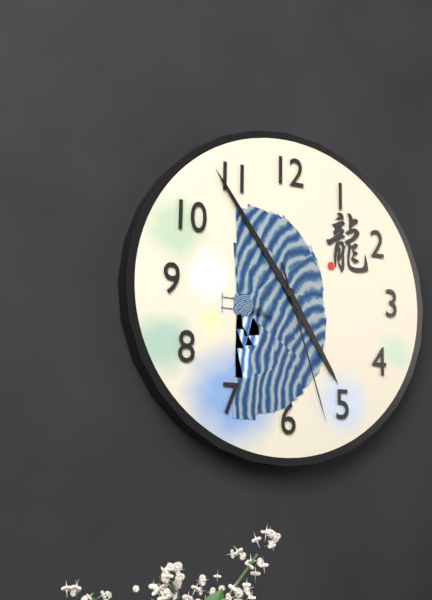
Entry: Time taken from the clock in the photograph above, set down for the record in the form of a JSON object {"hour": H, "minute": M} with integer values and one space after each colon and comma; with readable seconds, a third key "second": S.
{"hour": 4, "minute": 54, "second": 27}
